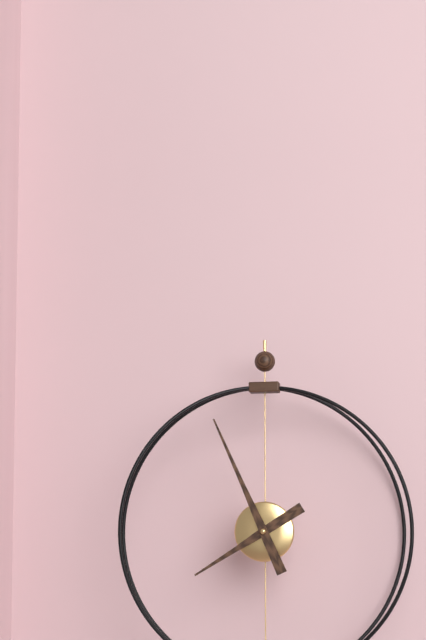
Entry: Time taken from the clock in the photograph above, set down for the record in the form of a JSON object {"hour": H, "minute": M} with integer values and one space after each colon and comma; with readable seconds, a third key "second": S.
{"hour": 7, "minute": 56}
